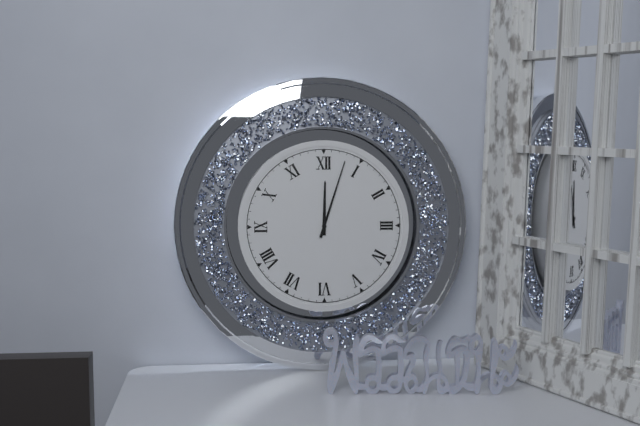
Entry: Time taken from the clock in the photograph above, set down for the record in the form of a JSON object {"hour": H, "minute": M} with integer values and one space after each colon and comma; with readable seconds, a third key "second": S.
{"hour": 12, "minute": 3}
